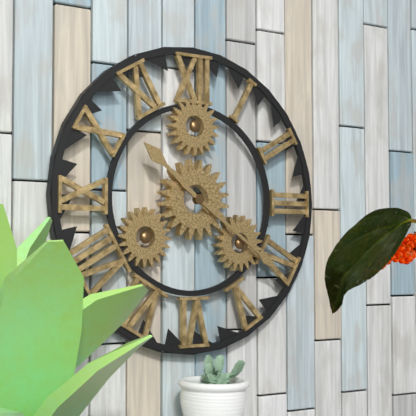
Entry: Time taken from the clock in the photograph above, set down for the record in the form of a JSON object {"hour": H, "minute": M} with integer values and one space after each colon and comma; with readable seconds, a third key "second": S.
{"hour": 10, "minute": 21}
